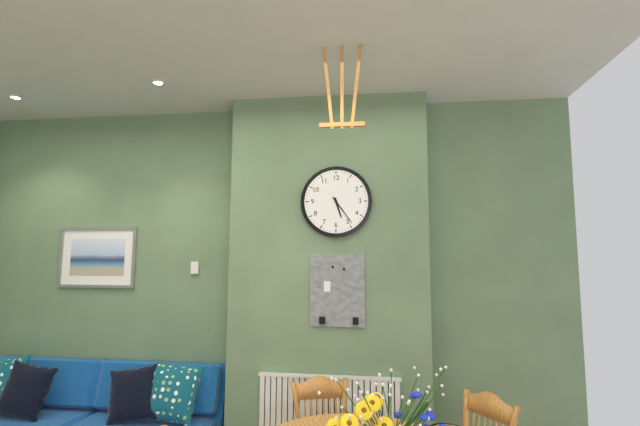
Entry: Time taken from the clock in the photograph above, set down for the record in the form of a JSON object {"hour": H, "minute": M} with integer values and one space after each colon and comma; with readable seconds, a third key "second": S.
{"hour": 5, "minute": 24}
